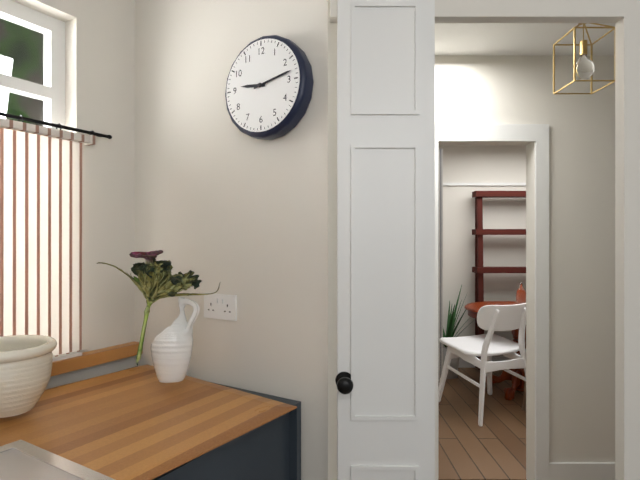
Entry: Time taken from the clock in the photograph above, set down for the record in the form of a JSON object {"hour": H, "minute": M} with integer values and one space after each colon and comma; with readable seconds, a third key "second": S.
{"hour": 9, "minute": 13}
